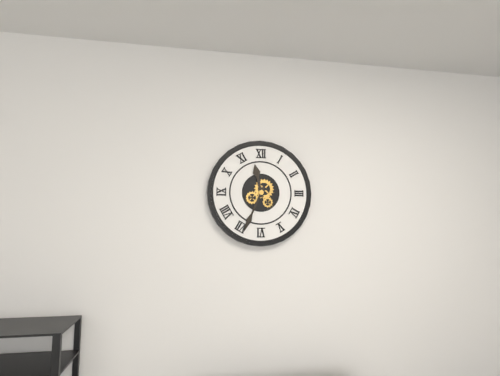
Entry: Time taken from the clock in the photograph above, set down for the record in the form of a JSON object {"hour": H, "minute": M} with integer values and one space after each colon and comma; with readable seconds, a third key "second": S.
{"hour": 11, "minute": 34}
